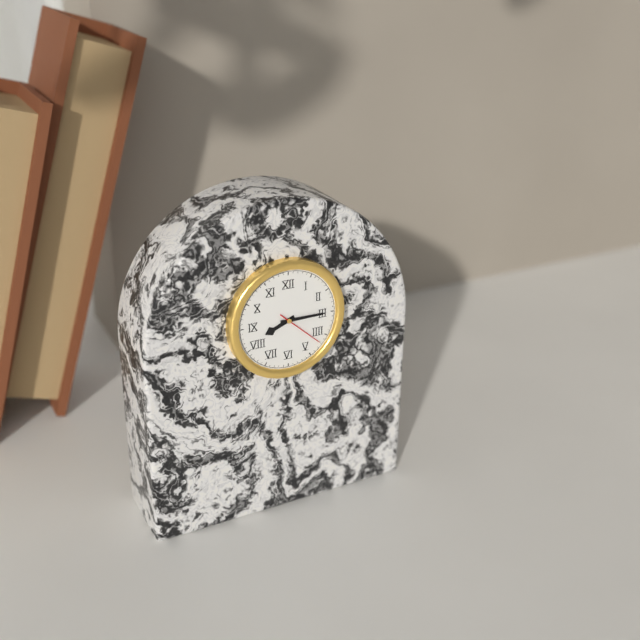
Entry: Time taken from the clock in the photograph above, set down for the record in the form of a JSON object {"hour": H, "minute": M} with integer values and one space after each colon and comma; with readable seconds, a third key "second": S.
{"hour": 8, "minute": 15}
